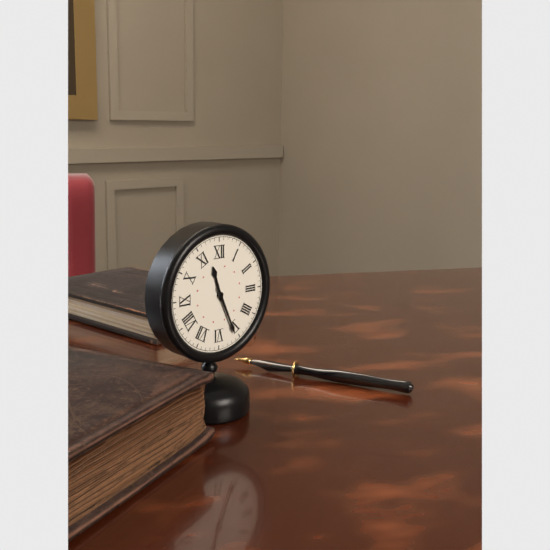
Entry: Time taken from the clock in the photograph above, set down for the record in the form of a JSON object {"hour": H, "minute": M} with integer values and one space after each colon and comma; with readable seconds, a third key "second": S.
{"hour": 11, "minute": 26}
